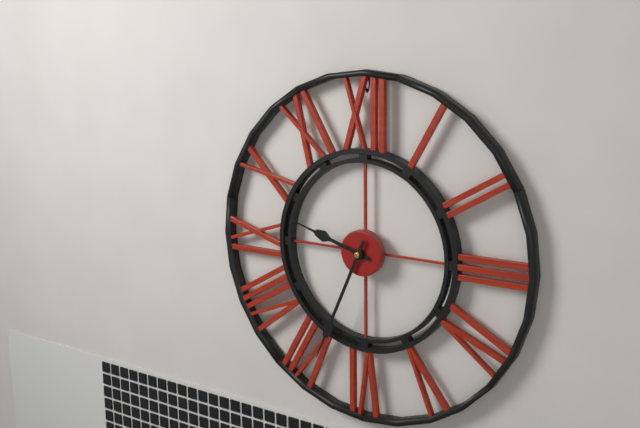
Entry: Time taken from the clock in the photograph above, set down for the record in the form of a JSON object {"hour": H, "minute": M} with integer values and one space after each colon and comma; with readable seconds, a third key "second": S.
{"hour": 9, "minute": 34}
